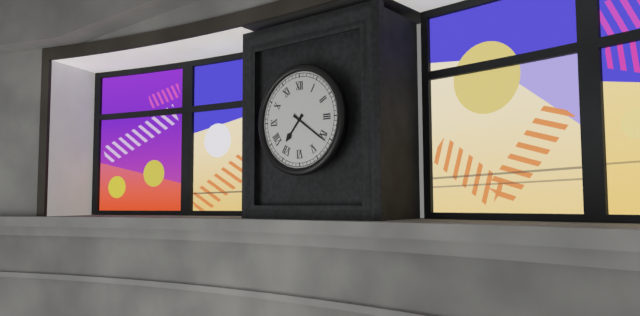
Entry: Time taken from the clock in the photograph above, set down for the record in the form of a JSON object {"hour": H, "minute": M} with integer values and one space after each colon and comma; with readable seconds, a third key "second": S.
{"hour": 7, "minute": 21}
